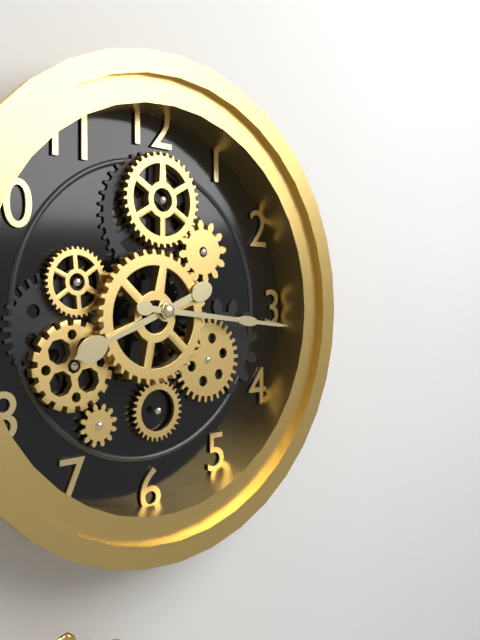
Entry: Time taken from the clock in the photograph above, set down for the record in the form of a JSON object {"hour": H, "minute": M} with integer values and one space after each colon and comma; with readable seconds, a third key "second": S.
{"hour": 8, "minute": 16}
